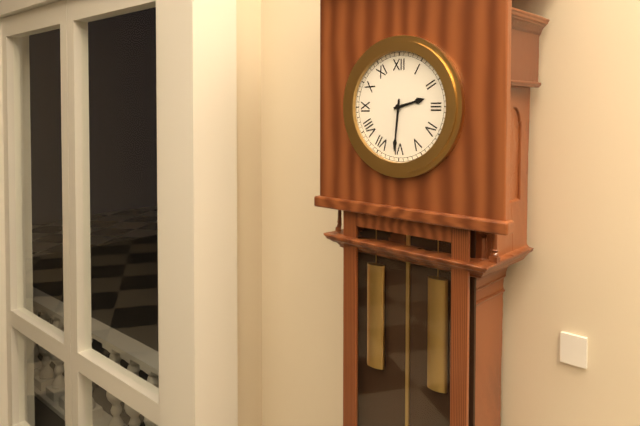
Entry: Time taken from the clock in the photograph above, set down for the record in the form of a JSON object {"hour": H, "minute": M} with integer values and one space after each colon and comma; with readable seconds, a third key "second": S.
{"hour": 2, "minute": 31}
